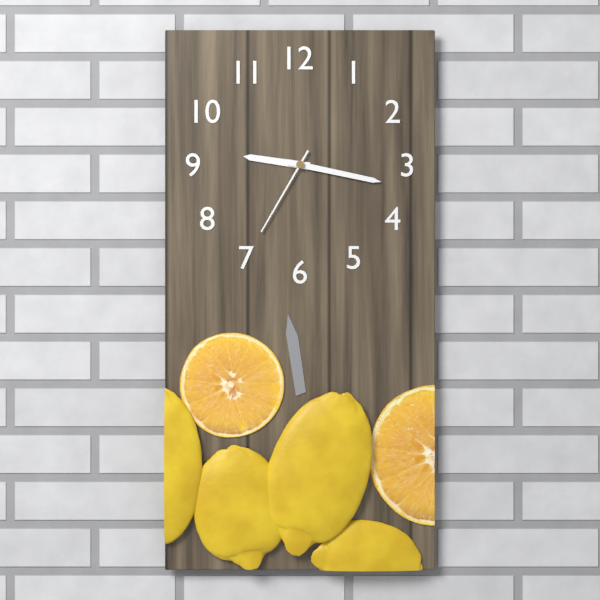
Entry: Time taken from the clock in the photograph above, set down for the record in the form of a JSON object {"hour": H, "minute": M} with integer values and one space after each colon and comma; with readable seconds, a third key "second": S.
{"hour": 9, "minute": 17, "second": 35}
